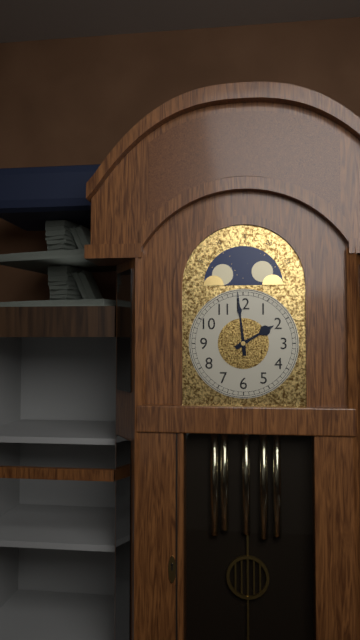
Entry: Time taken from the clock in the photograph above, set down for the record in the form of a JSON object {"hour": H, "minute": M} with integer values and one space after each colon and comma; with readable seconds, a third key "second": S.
{"hour": 1, "minute": 59}
